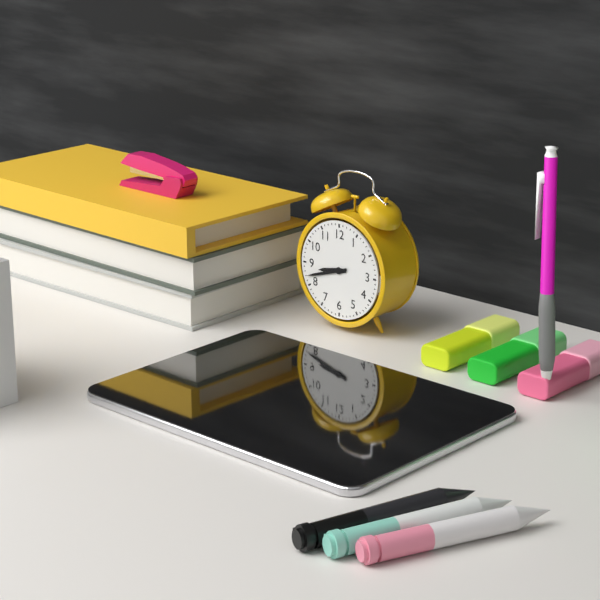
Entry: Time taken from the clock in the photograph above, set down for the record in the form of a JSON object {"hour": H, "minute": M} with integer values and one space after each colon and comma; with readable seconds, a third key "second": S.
{"hour": 8, "minute": 42}
